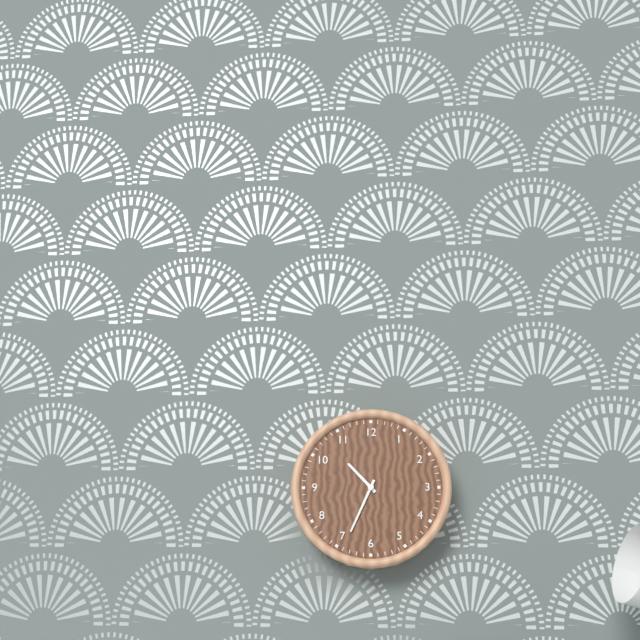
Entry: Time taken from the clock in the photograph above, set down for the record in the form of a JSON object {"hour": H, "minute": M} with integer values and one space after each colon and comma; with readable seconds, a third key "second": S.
{"hour": 10, "minute": 34}
